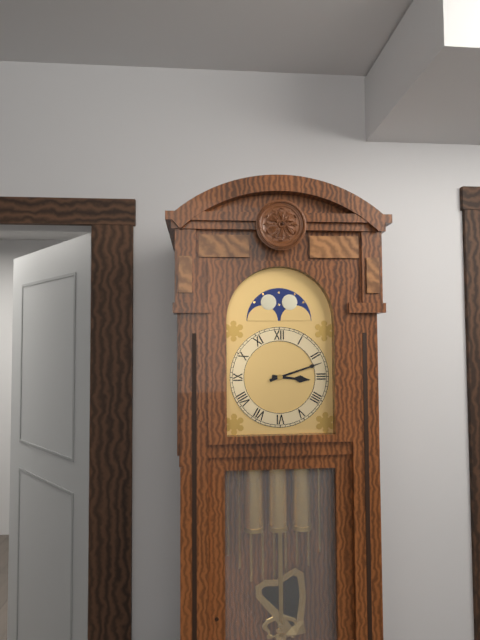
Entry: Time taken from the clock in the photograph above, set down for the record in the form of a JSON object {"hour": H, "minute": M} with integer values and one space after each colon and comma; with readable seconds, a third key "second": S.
{"hour": 3, "minute": 12}
